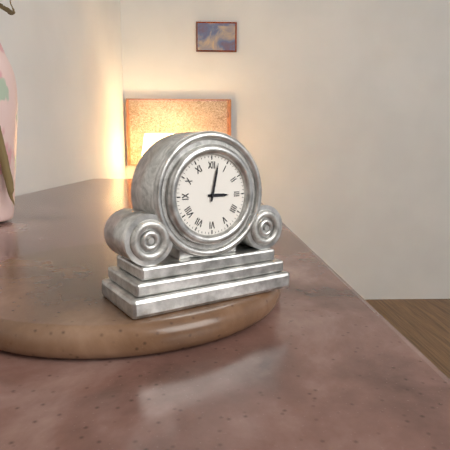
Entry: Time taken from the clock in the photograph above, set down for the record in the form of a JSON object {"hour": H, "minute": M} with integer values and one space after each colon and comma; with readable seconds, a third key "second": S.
{"hour": 3, "minute": 2}
